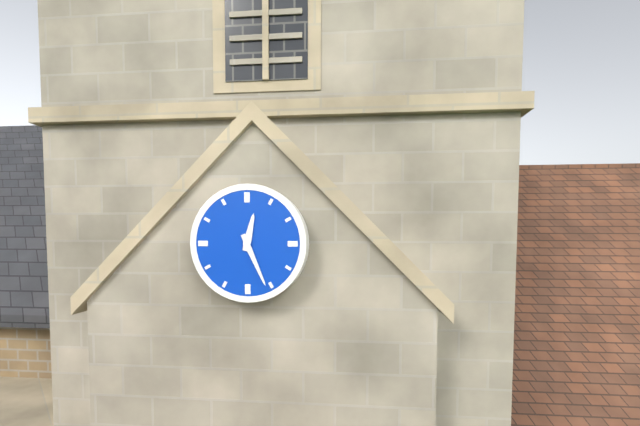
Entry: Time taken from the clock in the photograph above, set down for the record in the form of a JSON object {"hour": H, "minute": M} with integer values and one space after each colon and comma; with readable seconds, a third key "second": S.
{"hour": 12, "minute": 26}
